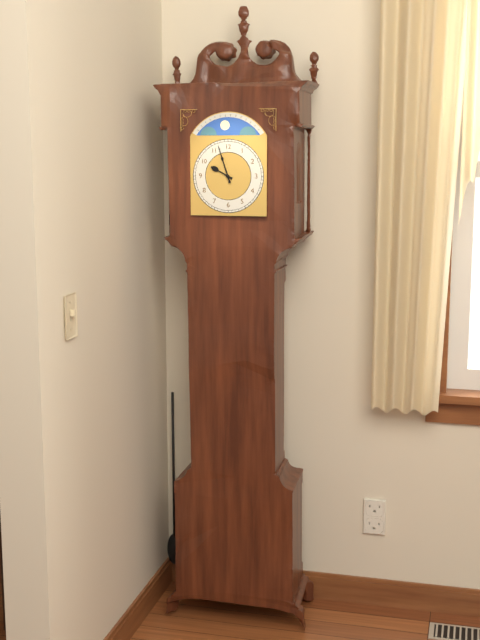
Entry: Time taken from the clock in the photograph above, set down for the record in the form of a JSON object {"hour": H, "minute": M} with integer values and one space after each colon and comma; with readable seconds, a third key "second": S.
{"hour": 9, "minute": 57}
